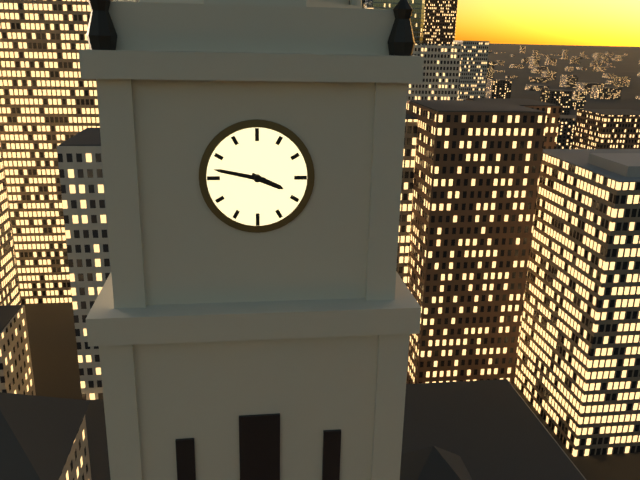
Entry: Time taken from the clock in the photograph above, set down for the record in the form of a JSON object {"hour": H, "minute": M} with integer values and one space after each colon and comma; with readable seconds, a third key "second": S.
{"hour": 3, "minute": 47}
